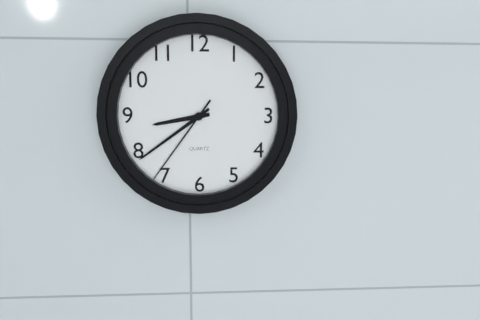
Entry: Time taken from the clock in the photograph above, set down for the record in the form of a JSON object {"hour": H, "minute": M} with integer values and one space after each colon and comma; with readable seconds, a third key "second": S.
{"hour": 8, "minute": 39, "second": 36}
